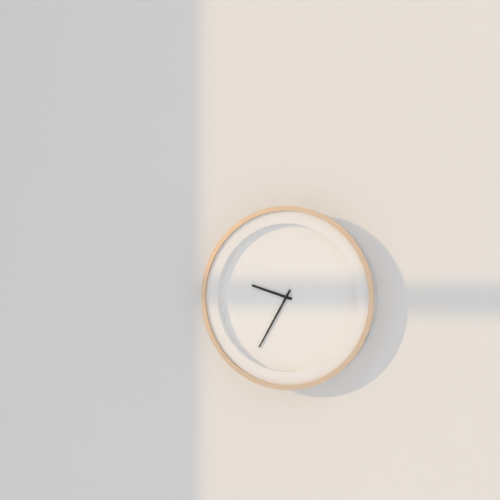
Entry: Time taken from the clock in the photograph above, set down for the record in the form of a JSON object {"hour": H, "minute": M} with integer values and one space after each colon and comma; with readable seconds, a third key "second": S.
{"hour": 9, "minute": 35}
